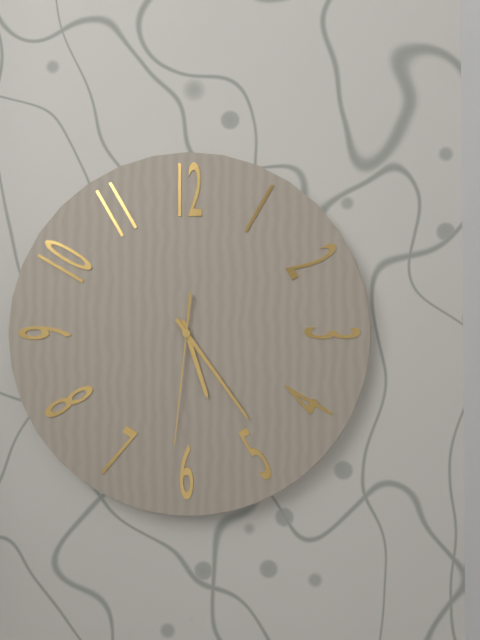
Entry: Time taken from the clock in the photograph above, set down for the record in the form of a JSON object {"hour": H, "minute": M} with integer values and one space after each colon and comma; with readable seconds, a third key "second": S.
{"hour": 5, "minute": 24, "second": 31}
